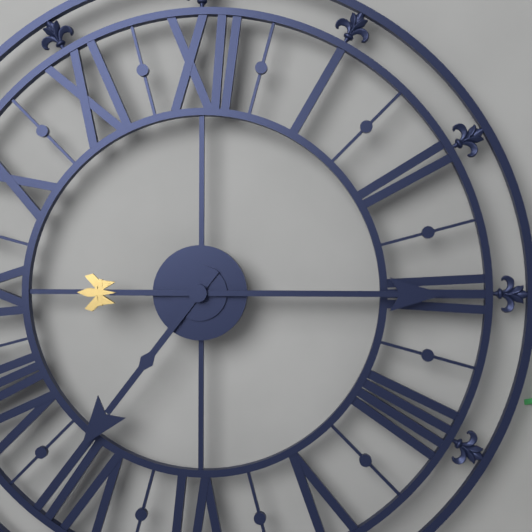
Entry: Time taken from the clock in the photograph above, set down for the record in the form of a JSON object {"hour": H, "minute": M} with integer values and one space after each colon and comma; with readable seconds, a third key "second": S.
{"hour": 7, "minute": 15}
